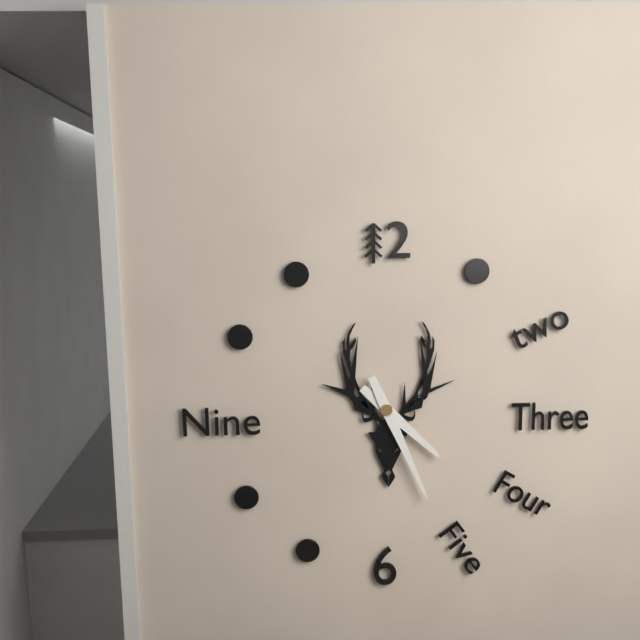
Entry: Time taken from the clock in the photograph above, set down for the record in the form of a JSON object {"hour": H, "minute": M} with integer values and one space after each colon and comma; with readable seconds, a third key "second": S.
{"hour": 4, "minute": 26}
